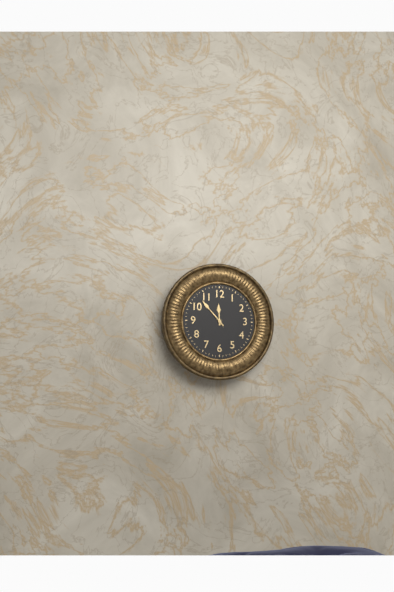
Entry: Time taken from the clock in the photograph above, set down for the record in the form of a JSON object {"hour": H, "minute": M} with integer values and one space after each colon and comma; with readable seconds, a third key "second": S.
{"hour": 11, "minute": 53}
